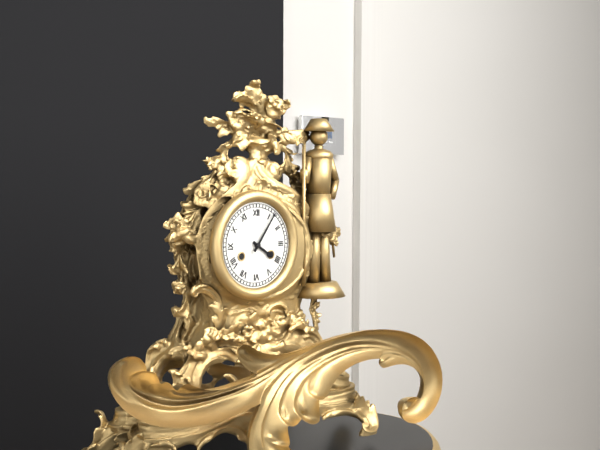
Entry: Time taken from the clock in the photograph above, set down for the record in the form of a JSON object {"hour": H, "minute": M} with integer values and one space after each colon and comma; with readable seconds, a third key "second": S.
{"hour": 4, "minute": 6}
